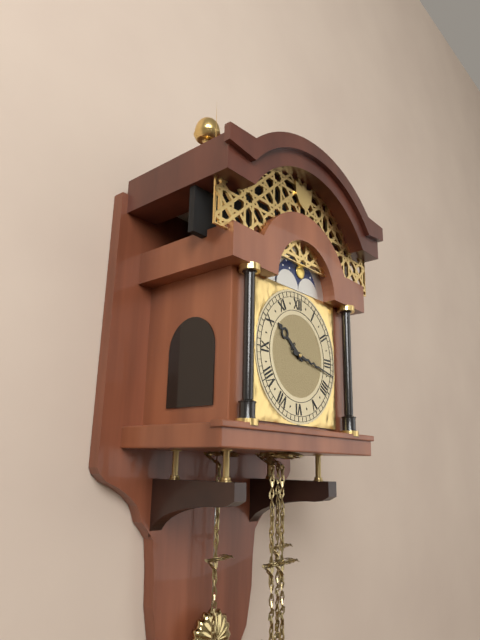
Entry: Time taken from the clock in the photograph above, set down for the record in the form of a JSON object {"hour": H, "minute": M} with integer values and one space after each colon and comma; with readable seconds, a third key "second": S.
{"hour": 10, "minute": 17}
